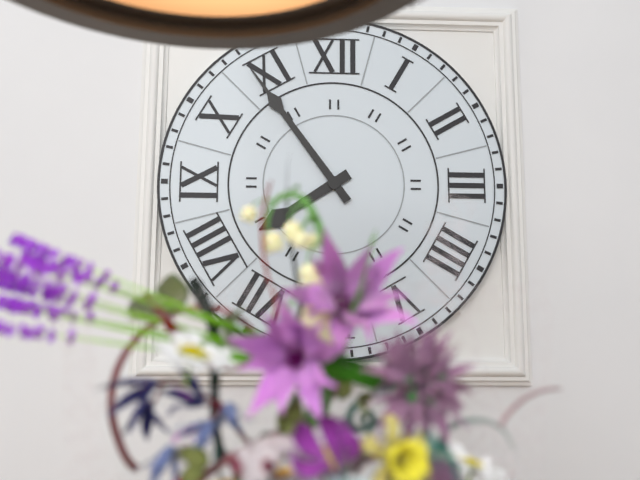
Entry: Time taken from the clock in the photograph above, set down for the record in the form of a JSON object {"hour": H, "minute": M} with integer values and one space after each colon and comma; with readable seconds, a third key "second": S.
{"hour": 7, "minute": 54}
